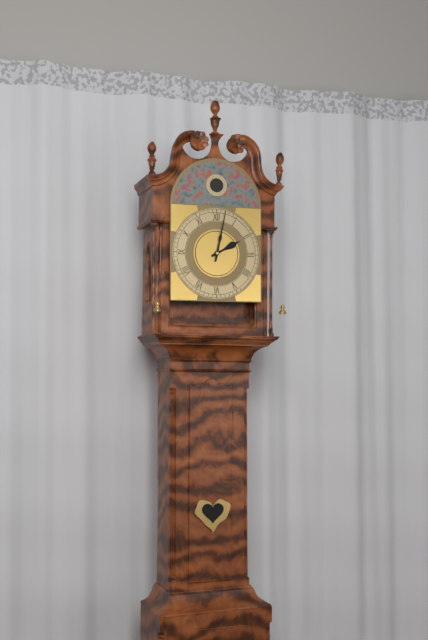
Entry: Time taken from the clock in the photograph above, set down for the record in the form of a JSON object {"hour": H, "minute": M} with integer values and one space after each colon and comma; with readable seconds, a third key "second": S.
{"hour": 2, "minute": 2}
